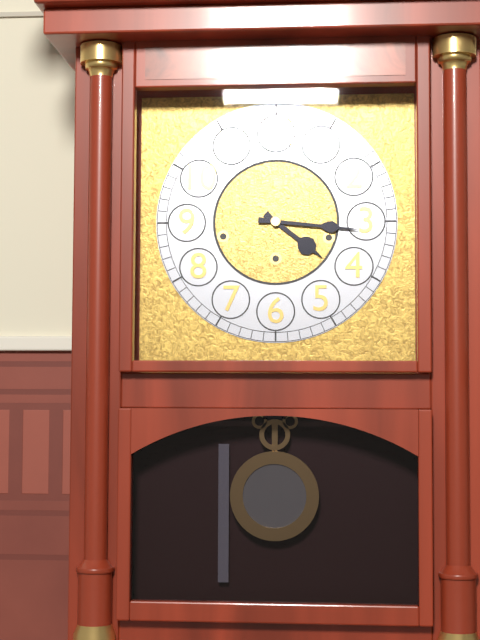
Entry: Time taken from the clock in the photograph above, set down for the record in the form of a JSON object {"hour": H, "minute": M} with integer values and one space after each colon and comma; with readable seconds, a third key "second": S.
{"hour": 4, "minute": 16}
